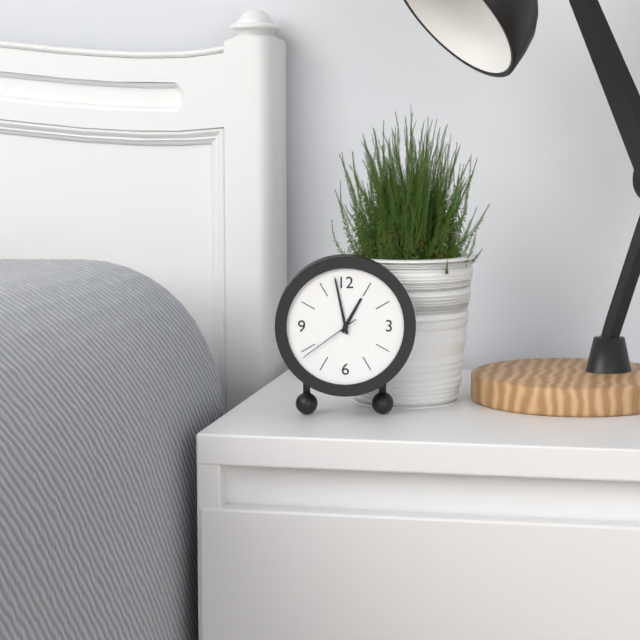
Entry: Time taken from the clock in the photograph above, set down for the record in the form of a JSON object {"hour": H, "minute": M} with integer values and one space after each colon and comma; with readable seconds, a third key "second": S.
{"hour": 12, "minute": 58, "second": 39}
